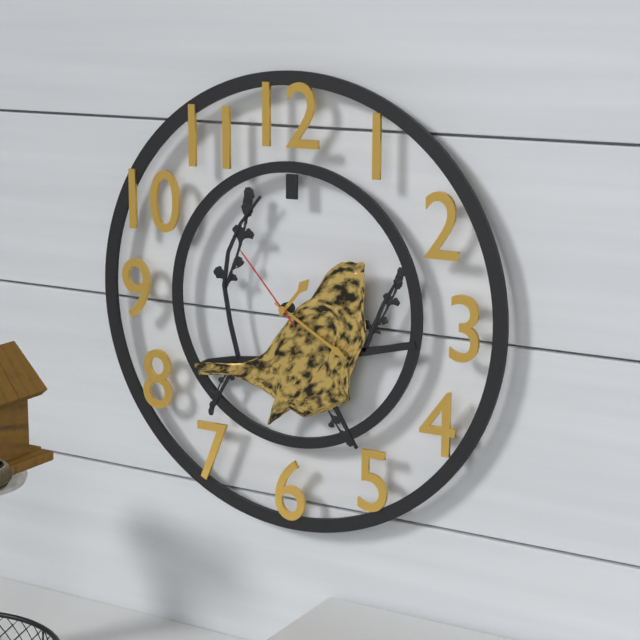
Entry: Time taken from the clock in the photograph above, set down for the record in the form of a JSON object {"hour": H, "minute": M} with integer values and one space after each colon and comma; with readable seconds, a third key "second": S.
{"hour": 1, "minute": 20, "second": 53}
